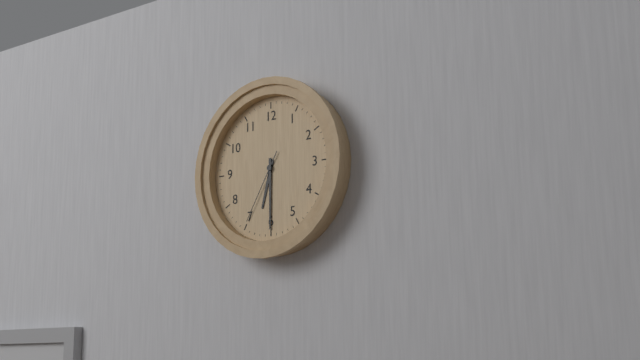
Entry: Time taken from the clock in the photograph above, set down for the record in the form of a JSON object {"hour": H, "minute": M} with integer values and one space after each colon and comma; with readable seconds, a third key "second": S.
{"hour": 6, "minute": 30, "second": 35}
